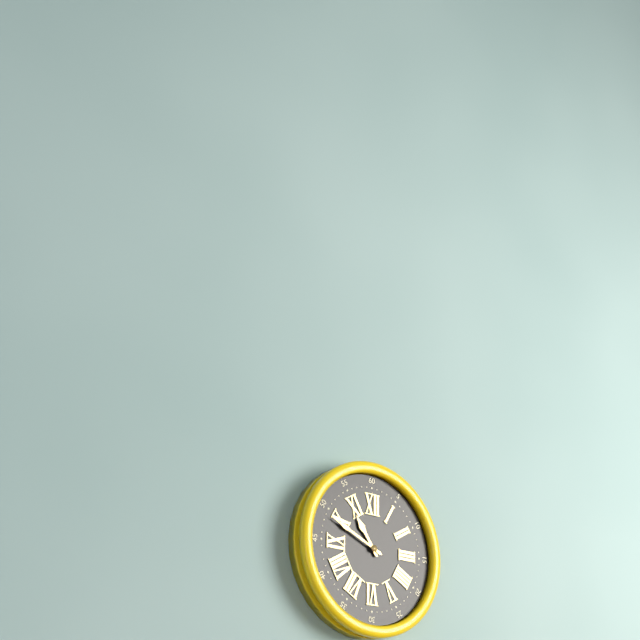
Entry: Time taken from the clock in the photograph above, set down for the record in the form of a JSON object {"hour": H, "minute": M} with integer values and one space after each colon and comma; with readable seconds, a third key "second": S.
{"hour": 10, "minute": 49}
